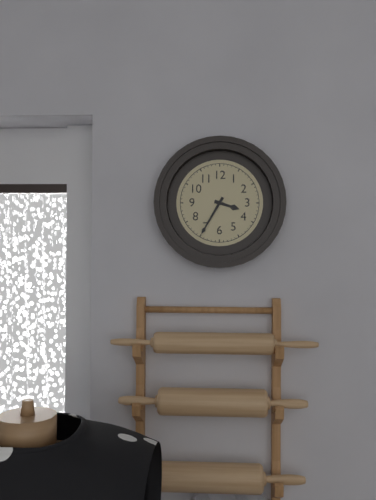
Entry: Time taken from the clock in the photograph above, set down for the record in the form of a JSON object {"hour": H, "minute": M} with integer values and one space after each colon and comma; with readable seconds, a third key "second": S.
{"hour": 3, "minute": 35}
